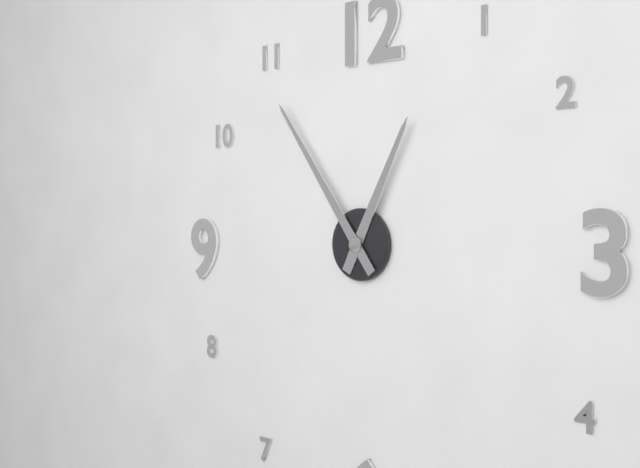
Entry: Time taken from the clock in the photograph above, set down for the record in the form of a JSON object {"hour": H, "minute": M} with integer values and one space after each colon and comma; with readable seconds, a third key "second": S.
{"hour": 12, "minute": 54}
